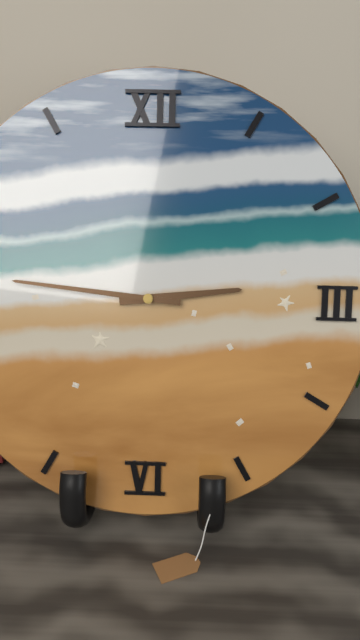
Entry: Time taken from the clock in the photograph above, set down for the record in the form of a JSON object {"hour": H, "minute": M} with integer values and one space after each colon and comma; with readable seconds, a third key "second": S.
{"hour": 2, "minute": 46}
